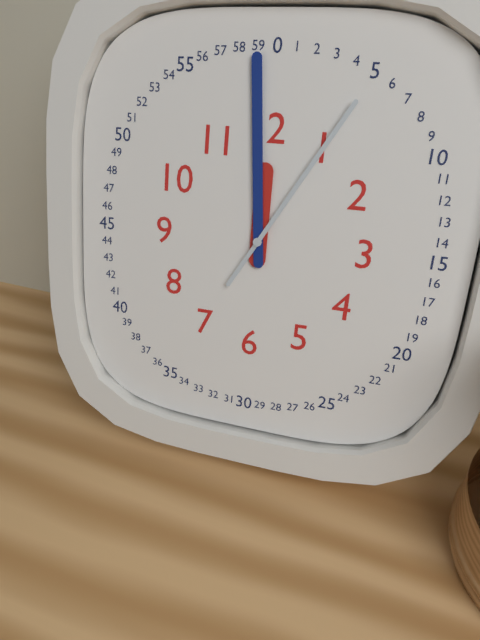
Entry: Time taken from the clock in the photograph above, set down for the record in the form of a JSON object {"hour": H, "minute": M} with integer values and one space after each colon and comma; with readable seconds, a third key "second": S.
{"hour": 11, "minute": 59, "second": 5}
